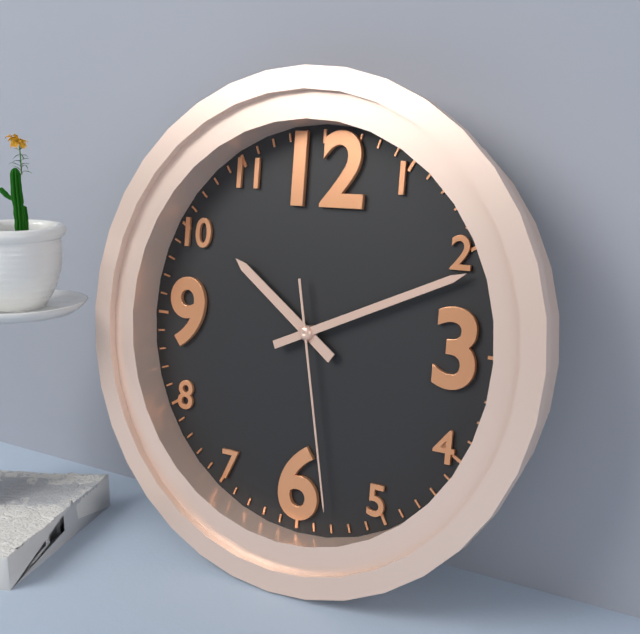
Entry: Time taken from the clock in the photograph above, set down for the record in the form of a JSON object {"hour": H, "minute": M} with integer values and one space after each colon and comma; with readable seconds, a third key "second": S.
{"hour": 10, "minute": 11, "second": 28}
